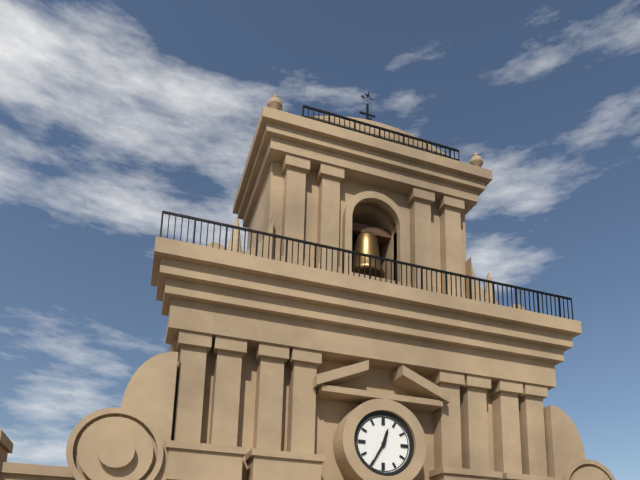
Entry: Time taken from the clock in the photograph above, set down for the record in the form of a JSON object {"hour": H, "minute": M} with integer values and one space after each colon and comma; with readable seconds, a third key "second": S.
{"hour": 12, "minute": 35}
